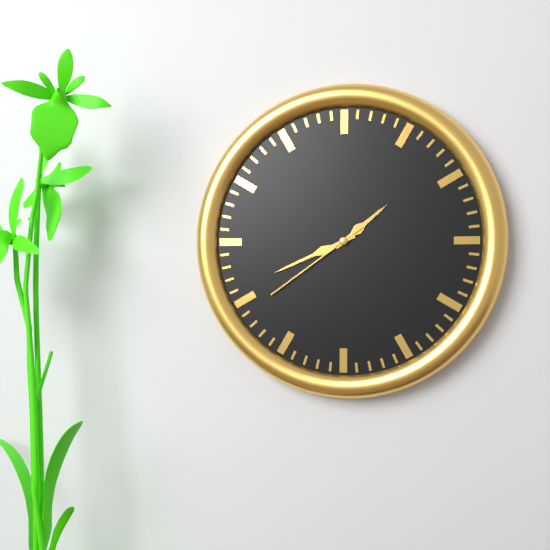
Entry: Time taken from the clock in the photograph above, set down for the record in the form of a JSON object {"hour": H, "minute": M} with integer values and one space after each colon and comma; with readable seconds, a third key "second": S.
{"hour": 1, "minute": 41, "second": 39}
